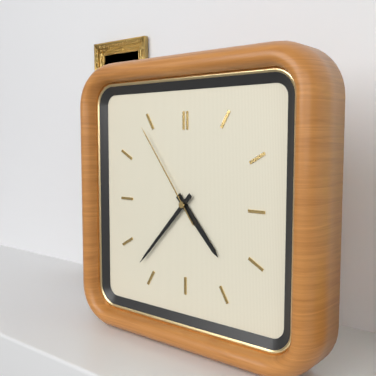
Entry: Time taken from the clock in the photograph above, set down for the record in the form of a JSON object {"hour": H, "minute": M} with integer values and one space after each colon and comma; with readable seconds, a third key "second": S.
{"hour": 4, "minute": 37, "second": 54}
